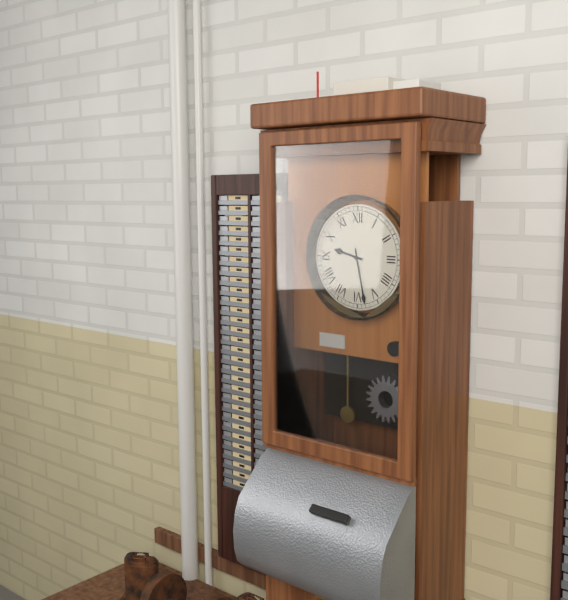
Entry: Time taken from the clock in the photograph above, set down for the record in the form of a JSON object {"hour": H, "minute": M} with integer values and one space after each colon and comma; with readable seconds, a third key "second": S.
{"hour": 9, "minute": 28}
